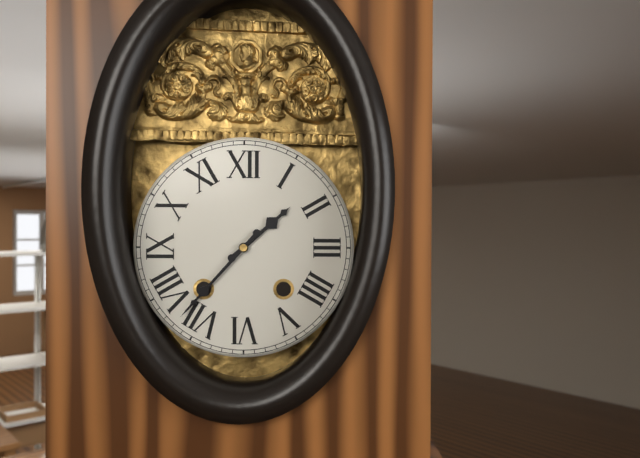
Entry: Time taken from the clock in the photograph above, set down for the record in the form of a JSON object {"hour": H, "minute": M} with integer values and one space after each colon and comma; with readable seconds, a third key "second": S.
{"hour": 1, "minute": 37}
